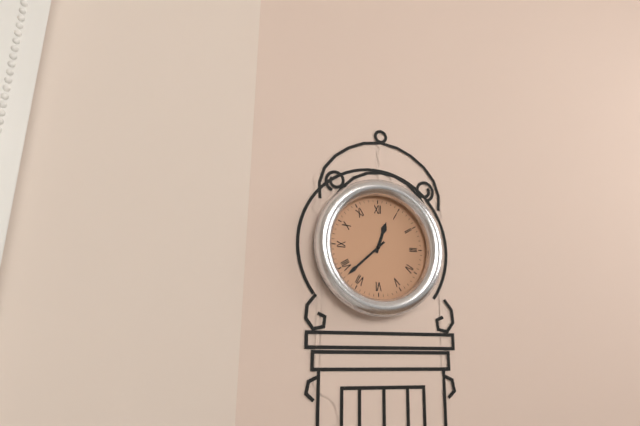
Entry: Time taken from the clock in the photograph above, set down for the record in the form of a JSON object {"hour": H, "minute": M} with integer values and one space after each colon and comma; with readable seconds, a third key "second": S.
{"hour": 12, "minute": 38}
